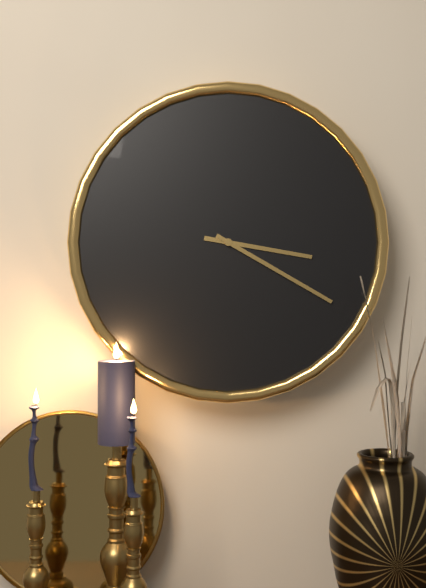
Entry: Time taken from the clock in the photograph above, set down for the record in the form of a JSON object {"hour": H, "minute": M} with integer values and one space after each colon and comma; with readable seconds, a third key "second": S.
{"hour": 3, "minute": 20}
